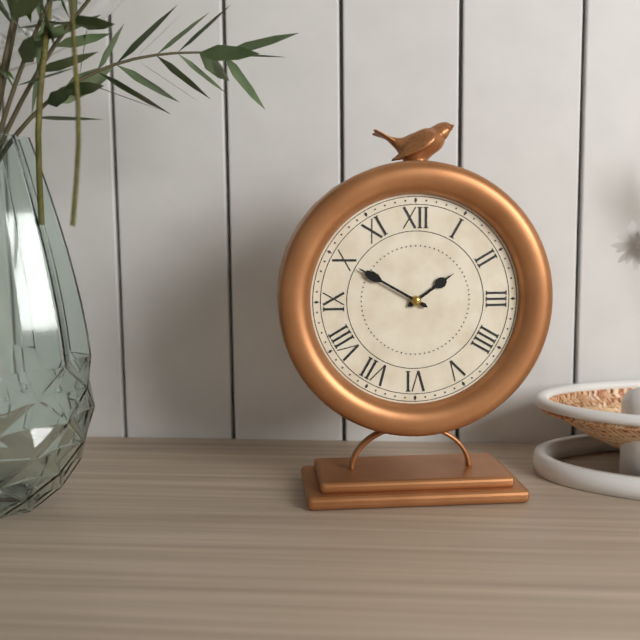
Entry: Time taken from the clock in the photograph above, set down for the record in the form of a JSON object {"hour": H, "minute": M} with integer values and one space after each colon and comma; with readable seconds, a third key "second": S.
{"hour": 1, "minute": 50}
